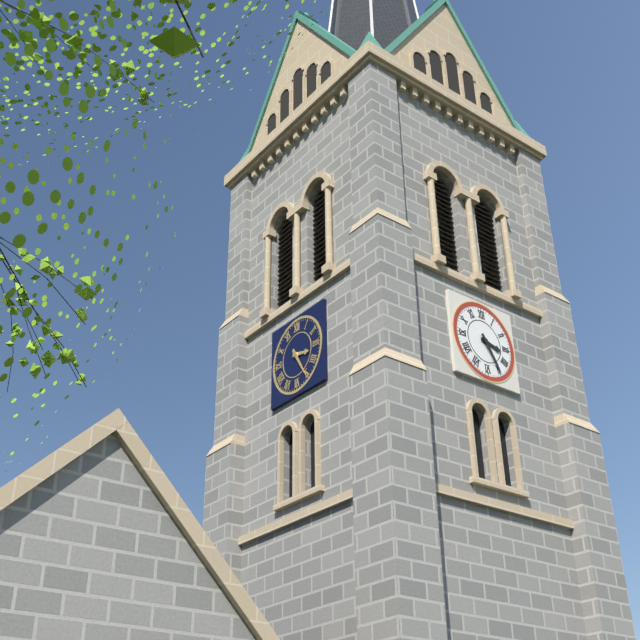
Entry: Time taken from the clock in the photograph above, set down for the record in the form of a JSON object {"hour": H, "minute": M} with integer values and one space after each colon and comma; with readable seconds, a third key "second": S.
{"hour": 3, "minute": 25}
